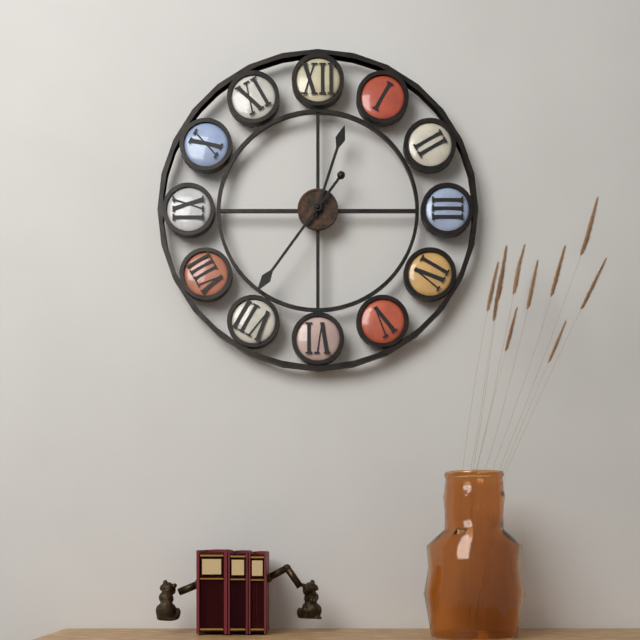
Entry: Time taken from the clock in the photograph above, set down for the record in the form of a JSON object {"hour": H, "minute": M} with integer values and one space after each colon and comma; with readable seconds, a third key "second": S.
{"hour": 12, "minute": 36}
